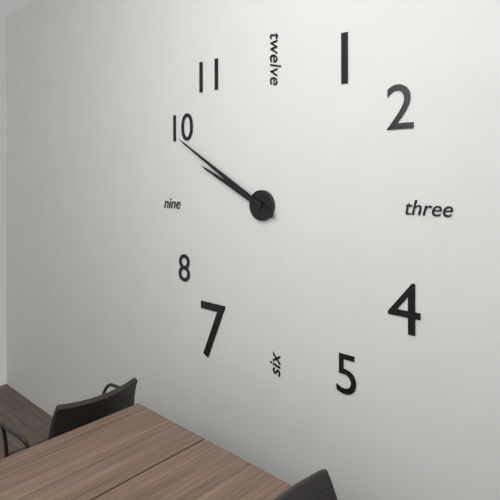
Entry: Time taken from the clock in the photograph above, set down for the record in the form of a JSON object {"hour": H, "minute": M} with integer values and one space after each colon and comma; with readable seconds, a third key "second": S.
{"hour": 9, "minute": 50}
